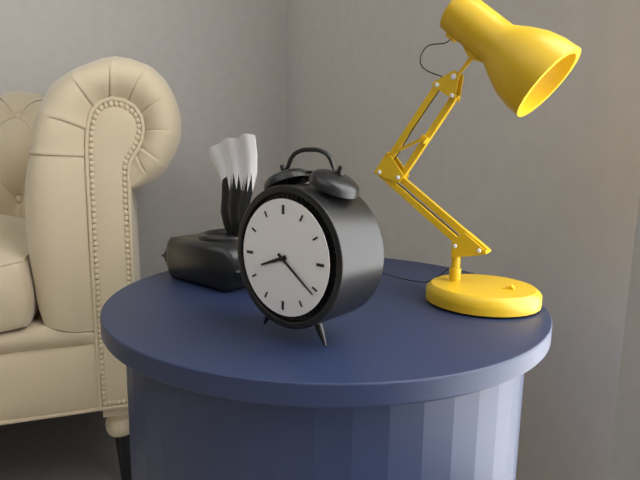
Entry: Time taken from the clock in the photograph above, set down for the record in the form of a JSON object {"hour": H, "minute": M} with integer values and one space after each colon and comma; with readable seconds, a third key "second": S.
{"hour": 8, "minute": 21}
